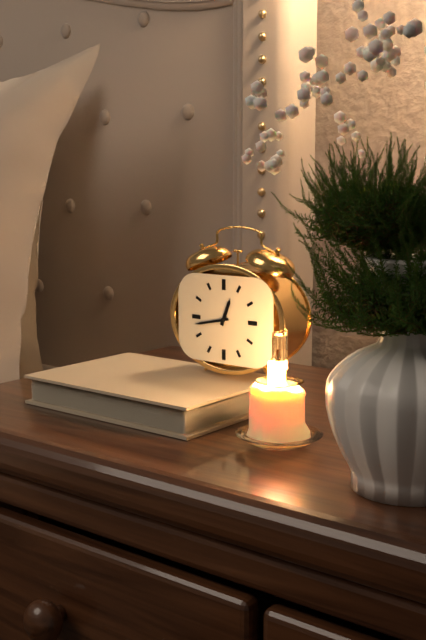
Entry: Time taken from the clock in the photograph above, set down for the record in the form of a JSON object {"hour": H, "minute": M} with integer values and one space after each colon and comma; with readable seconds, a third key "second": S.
{"hour": 12, "minute": 43}
